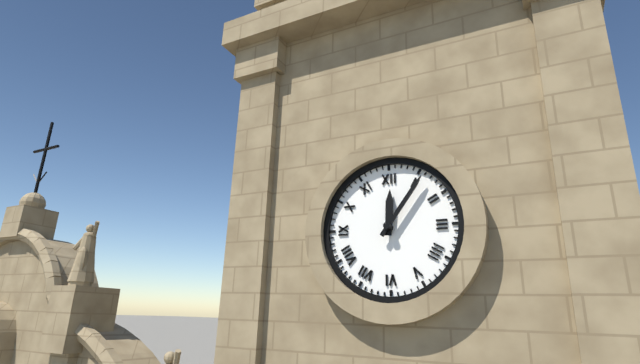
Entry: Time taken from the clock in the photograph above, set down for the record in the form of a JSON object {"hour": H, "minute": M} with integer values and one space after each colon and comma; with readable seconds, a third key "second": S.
{"hour": 12, "minute": 6}
